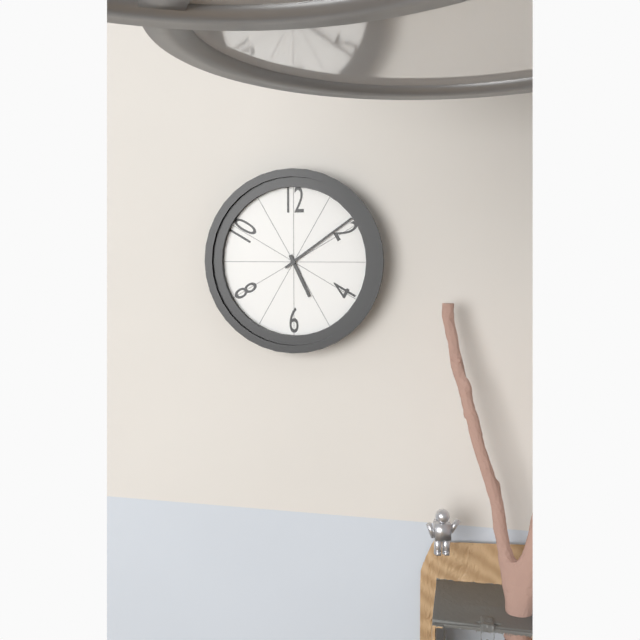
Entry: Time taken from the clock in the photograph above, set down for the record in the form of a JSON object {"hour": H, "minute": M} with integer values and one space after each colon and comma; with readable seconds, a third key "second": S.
{"hour": 5, "minute": 9}
